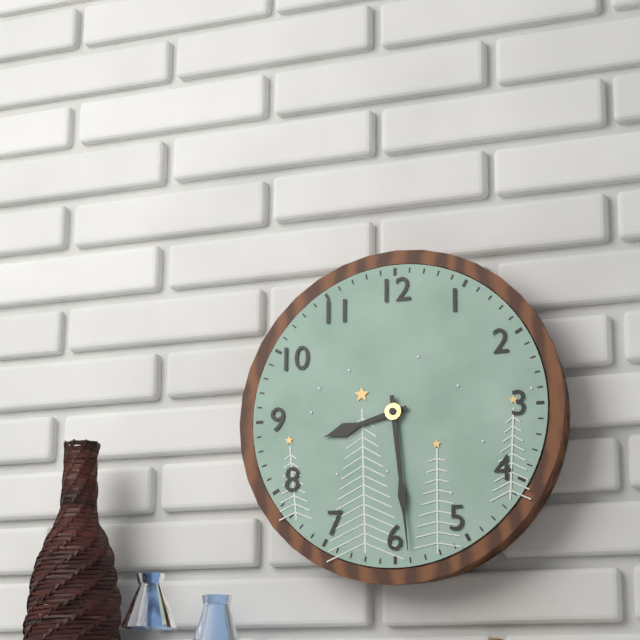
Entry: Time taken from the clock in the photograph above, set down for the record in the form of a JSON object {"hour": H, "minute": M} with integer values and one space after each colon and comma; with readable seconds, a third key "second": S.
{"hour": 8, "minute": 29}
